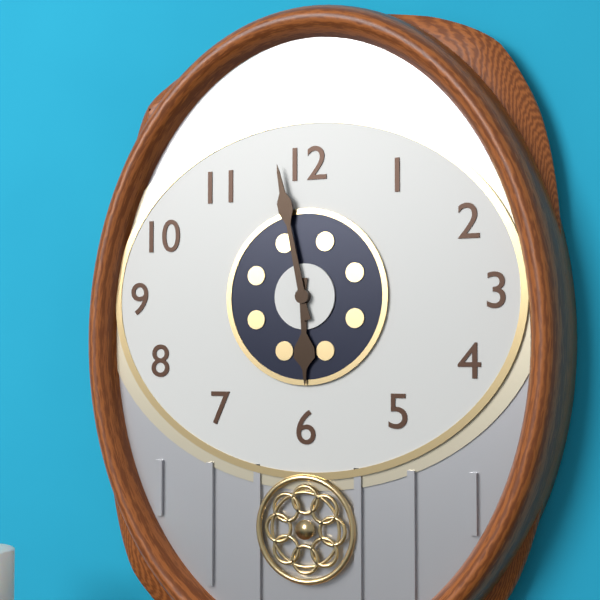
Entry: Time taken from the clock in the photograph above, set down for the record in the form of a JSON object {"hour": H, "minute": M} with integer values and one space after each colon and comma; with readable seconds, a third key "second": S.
{"hour": 5, "minute": 58}
